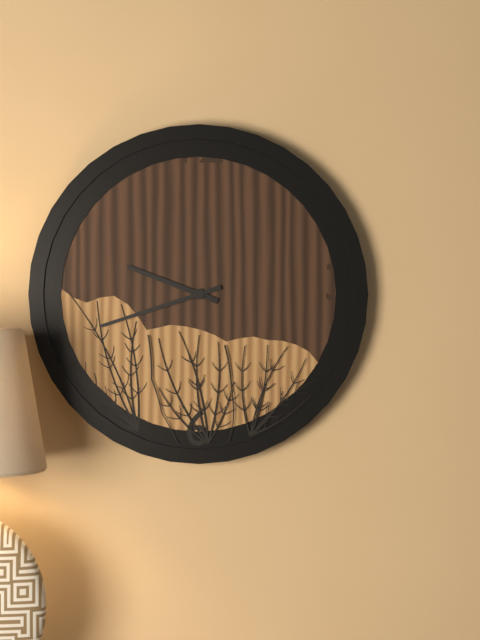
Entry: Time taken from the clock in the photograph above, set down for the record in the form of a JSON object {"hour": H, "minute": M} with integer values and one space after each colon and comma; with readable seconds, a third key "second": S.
{"hour": 9, "minute": 42}
